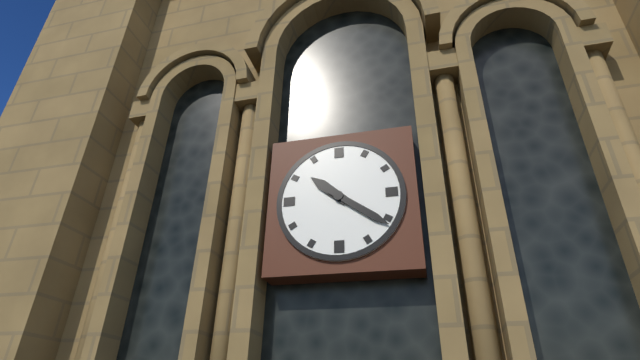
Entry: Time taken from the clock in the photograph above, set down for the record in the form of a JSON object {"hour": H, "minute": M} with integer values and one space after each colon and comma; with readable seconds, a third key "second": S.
{"hour": 10, "minute": 21}
